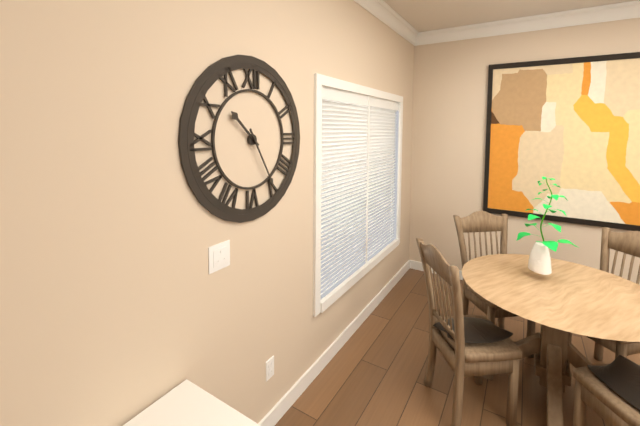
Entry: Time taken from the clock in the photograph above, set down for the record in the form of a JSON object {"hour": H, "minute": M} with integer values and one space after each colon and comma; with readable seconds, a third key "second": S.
{"hour": 10, "minute": 25}
